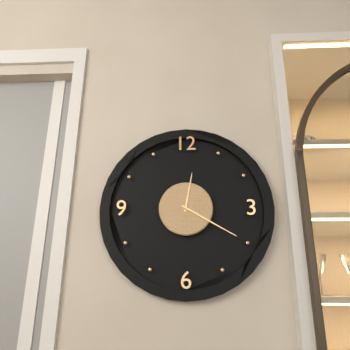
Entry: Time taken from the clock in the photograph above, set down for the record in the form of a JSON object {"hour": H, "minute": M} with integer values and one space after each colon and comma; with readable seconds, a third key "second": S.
{"hour": 12, "minute": 20}
